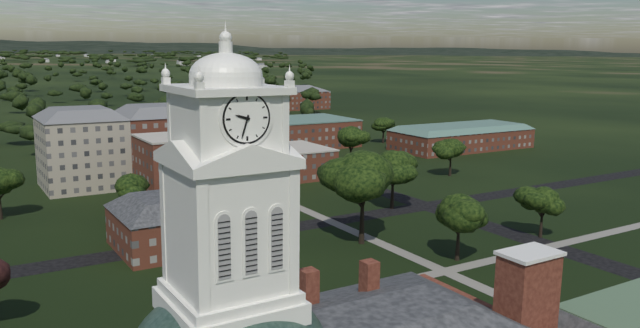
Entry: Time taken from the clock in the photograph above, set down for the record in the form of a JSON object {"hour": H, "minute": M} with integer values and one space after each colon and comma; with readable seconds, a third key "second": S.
{"hour": 9, "minute": 33}
